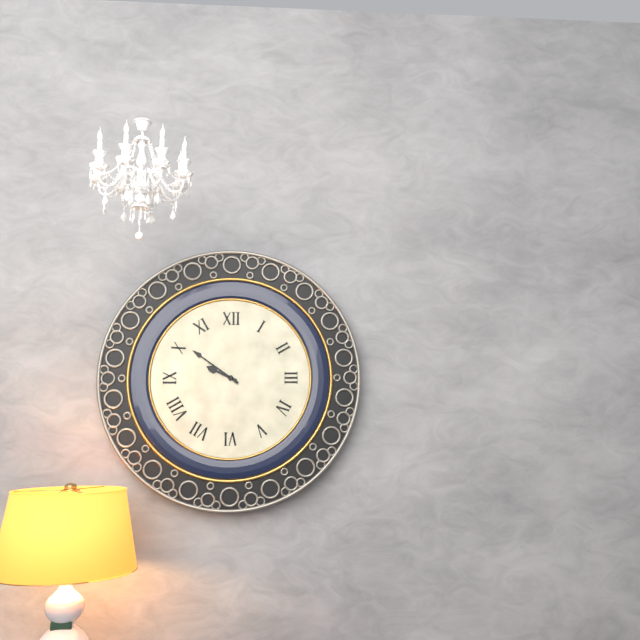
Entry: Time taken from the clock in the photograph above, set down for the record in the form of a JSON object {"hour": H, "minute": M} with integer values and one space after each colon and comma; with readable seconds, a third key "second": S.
{"hour": 9, "minute": 51}
